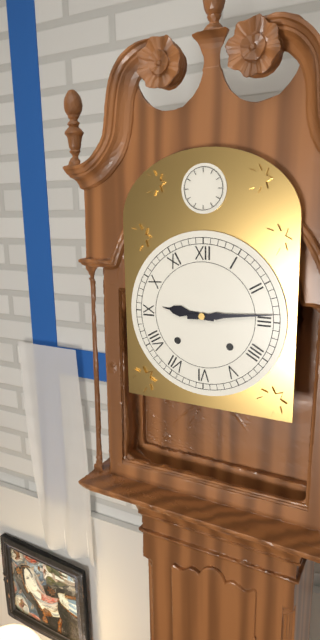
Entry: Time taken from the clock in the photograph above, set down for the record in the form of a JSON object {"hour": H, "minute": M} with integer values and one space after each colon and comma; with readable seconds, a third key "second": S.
{"hour": 9, "minute": 14}
